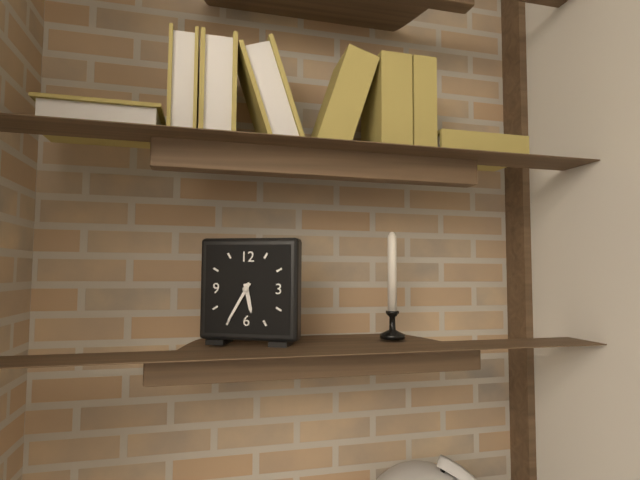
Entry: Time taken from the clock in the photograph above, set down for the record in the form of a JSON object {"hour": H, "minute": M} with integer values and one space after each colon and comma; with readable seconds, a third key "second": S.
{"hour": 5, "minute": 35}
